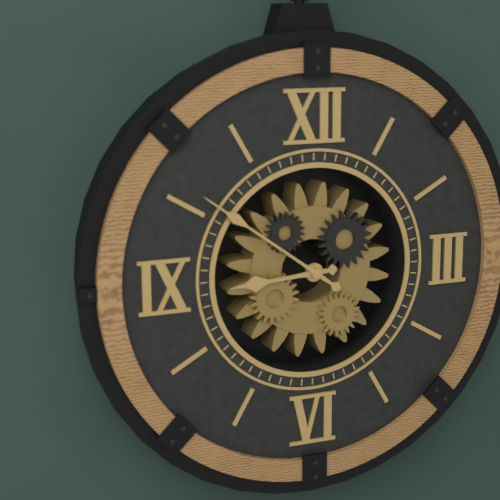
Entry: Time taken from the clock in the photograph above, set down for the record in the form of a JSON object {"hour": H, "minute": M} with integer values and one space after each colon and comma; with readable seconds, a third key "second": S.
{"hour": 8, "minute": 51}
